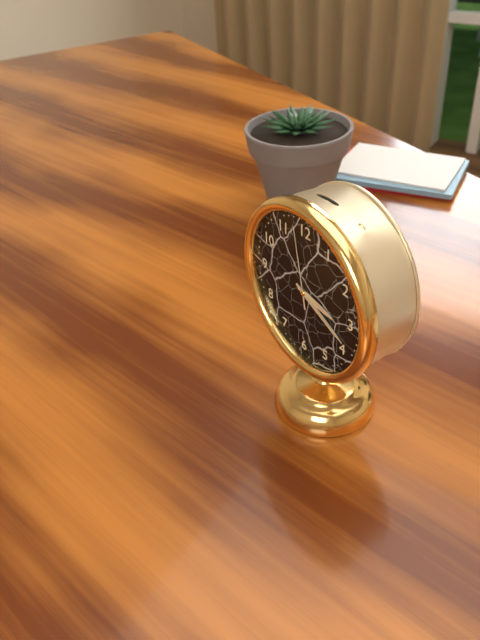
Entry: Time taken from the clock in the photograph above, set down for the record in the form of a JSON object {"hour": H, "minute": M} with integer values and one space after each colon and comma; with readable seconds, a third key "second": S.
{"hour": 3, "minute": 19, "second": 58}
